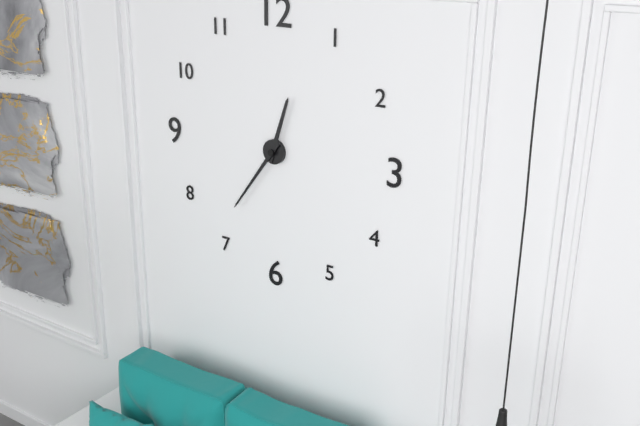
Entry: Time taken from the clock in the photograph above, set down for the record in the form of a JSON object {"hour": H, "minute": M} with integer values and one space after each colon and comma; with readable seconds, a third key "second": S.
{"hour": 12, "minute": 36}
